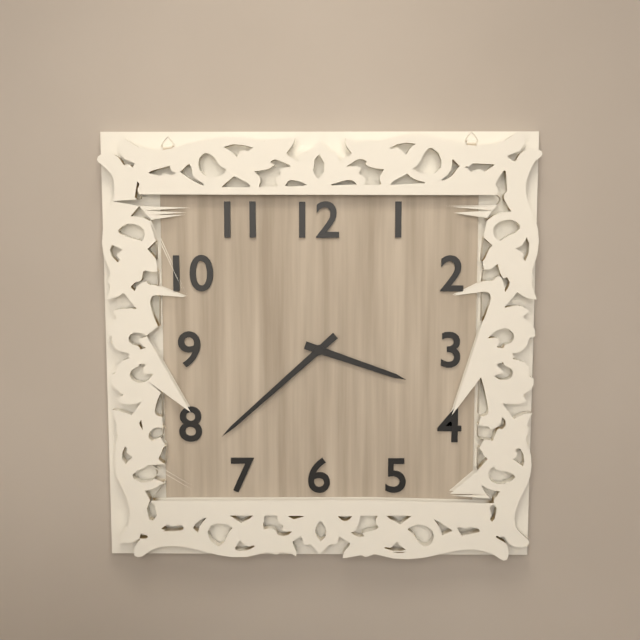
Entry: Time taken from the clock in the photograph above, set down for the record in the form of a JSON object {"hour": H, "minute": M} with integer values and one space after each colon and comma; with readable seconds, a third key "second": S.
{"hour": 3, "minute": 38}
